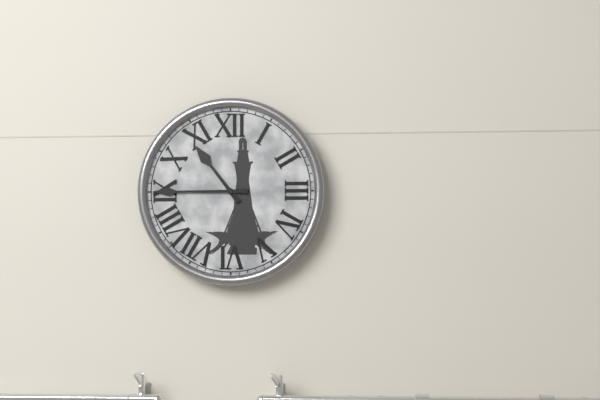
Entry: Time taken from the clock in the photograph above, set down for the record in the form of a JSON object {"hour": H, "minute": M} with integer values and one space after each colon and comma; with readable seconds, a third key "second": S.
{"hour": 10, "minute": 45}
